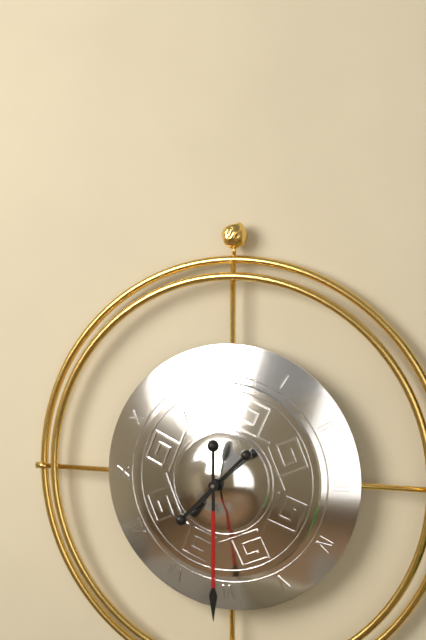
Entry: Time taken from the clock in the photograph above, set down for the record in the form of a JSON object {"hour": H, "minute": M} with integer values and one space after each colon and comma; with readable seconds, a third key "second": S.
{"hour": 7, "minute": 30}
